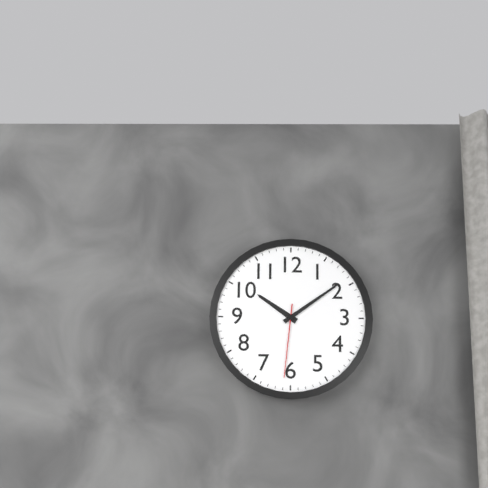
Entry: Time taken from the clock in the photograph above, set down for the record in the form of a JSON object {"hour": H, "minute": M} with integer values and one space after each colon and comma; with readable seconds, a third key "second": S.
{"hour": 10, "minute": 9, "second": 31}
